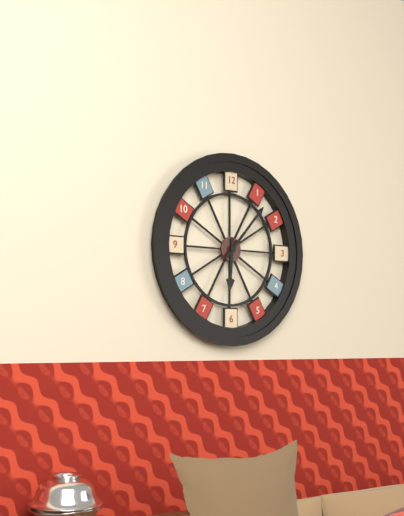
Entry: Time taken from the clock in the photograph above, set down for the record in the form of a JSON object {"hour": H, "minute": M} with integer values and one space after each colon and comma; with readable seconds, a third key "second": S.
{"hour": 6, "minute": 7}
